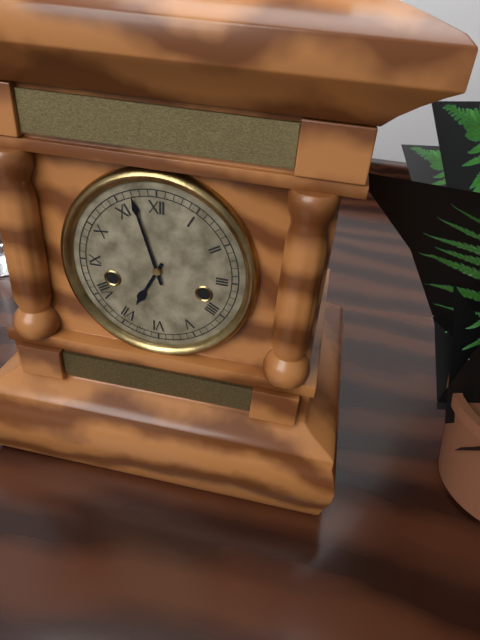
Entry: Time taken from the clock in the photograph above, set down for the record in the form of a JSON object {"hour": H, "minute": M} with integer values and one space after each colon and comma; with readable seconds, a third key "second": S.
{"hour": 6, "minute": 57}
